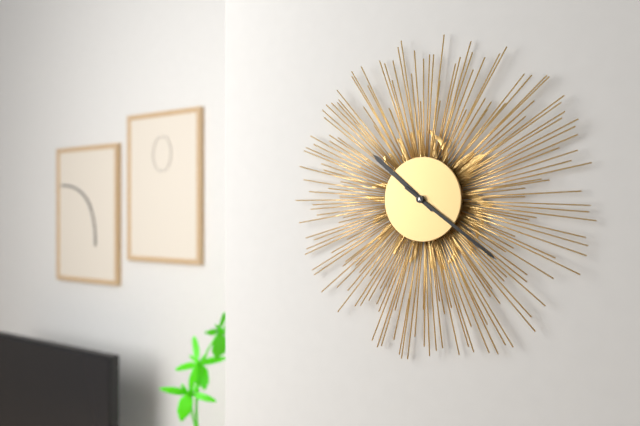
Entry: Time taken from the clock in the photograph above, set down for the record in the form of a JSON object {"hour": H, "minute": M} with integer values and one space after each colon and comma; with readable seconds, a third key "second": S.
{"hour": 10, "minute": 21}
